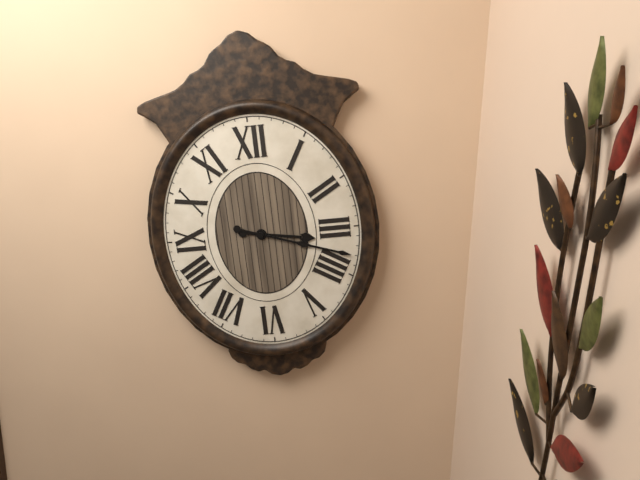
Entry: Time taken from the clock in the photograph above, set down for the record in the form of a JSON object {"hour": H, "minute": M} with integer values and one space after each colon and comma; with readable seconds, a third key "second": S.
{"hour": 3, "minute": 18}
